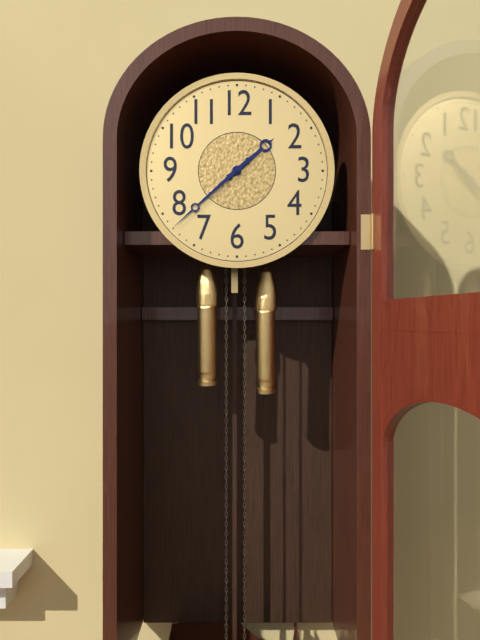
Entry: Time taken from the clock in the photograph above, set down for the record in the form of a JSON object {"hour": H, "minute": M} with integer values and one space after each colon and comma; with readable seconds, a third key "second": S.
{"hour": 1, "minute": 38}
